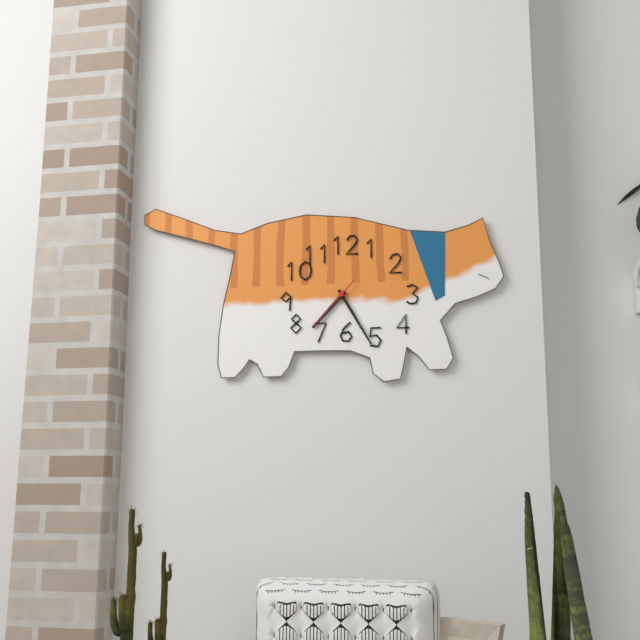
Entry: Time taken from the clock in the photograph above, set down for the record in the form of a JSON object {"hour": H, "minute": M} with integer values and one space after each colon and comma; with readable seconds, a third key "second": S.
{"hour": 7, "minute": 25, "second": 37}
